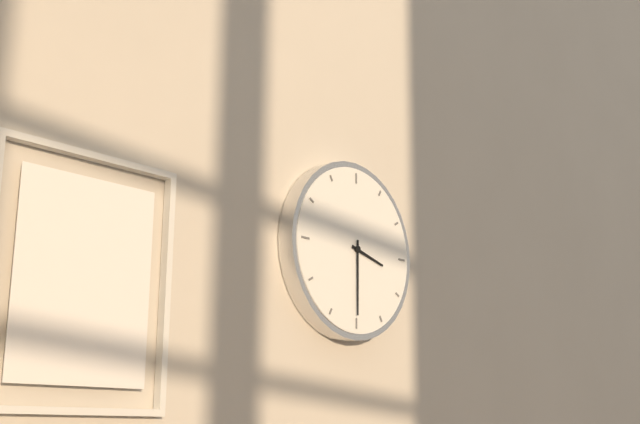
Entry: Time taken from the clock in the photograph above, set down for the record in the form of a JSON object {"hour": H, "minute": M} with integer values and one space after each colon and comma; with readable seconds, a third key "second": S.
{"hour": 3, "minute": 30}
